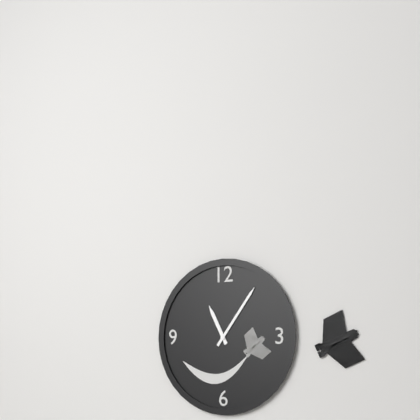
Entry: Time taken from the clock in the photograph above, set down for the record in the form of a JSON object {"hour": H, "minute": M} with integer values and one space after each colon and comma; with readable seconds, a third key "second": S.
{"hour": 11, "minute": 6}
